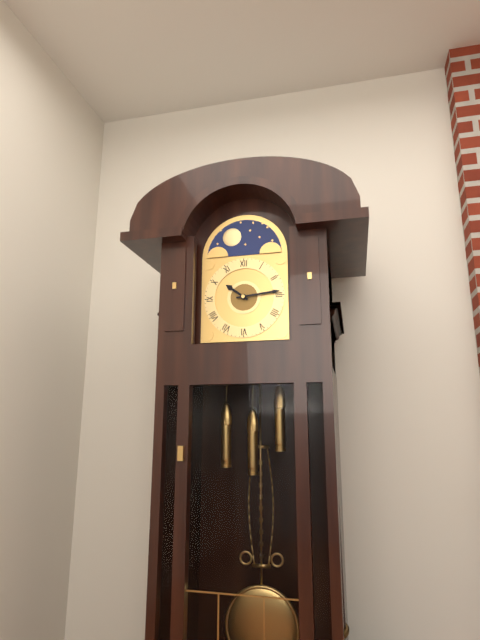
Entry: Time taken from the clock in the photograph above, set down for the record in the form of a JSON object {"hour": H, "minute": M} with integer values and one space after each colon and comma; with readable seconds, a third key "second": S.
{"hour": 10, "minute": 14}
